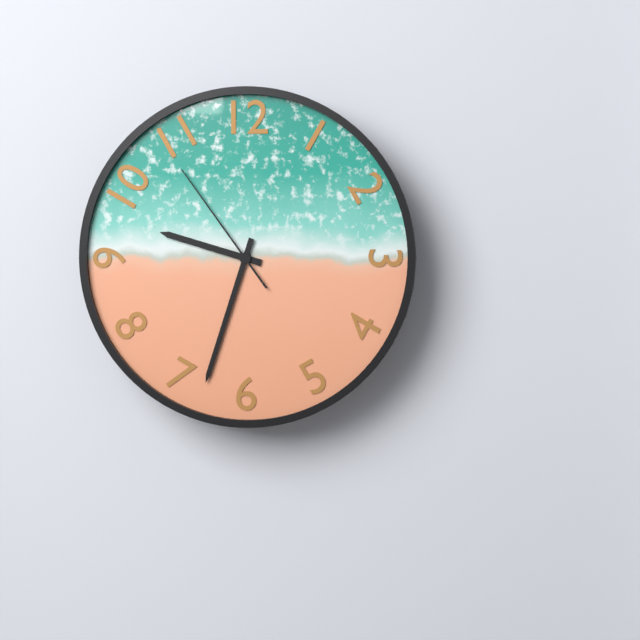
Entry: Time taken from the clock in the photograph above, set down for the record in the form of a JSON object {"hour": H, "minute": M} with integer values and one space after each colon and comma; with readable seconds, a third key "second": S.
{"hour": 9, "minute": 33, "second": 54}
